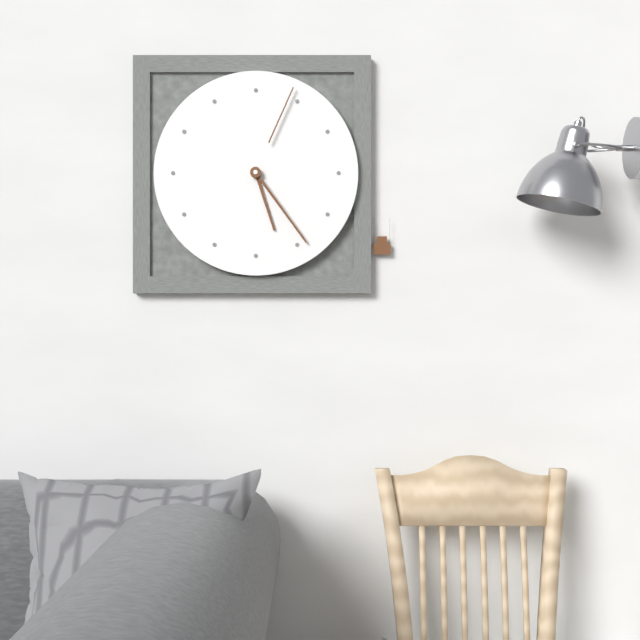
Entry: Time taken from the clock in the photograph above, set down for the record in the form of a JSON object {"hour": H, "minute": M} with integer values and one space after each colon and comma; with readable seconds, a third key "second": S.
{"hour": 5, "minute": 24, "second": 4}
